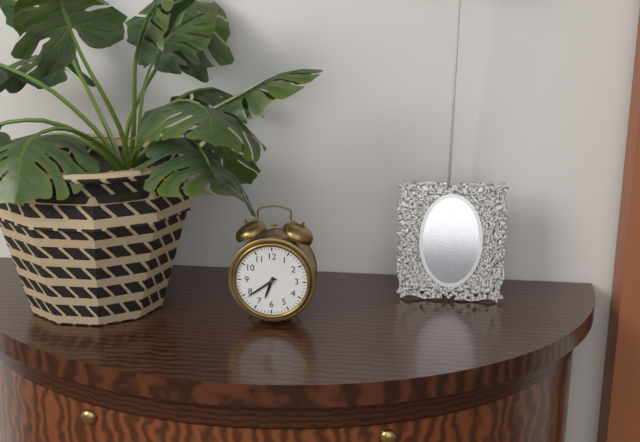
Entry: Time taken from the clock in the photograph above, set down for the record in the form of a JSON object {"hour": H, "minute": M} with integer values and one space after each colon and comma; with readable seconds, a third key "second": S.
{"hour": 6, "minute": 39}
